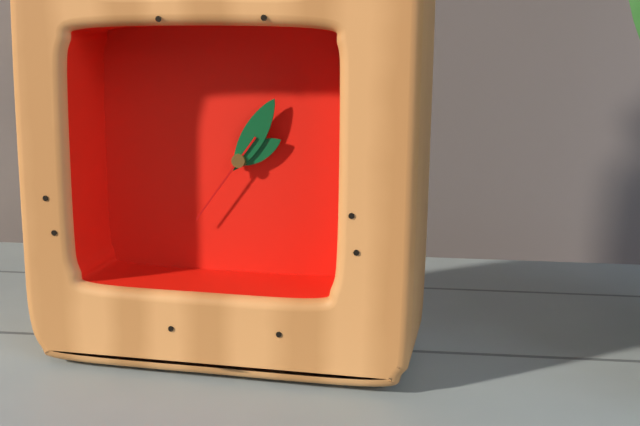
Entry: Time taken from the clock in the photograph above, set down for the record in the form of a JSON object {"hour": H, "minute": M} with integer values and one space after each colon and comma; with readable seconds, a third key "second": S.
{"hour": 2, "minute": 5, "second": 36}
